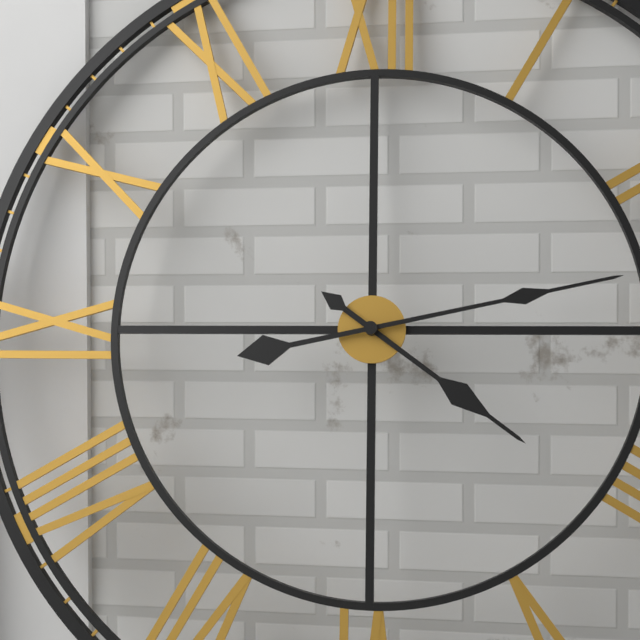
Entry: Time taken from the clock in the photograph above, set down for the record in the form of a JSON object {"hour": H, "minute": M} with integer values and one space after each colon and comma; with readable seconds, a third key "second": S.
{"hour": 4, "minute": 13}
